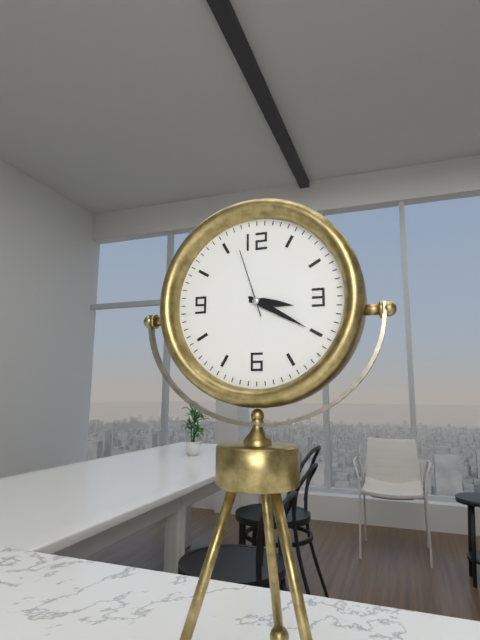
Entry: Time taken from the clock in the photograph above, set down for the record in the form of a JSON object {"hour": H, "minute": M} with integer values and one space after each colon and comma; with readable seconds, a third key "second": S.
{"hour": 3, "minute": 20, "second": 57}
